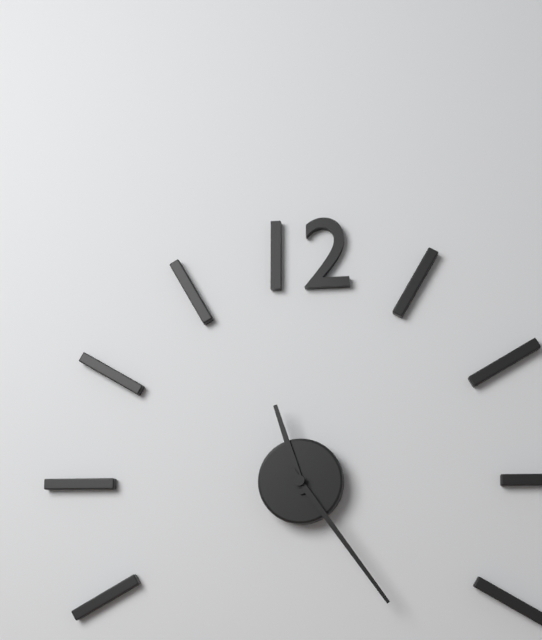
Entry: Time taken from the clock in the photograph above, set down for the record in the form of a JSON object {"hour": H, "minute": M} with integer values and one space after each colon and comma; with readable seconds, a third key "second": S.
{"hour": 11, "minute": 24}
